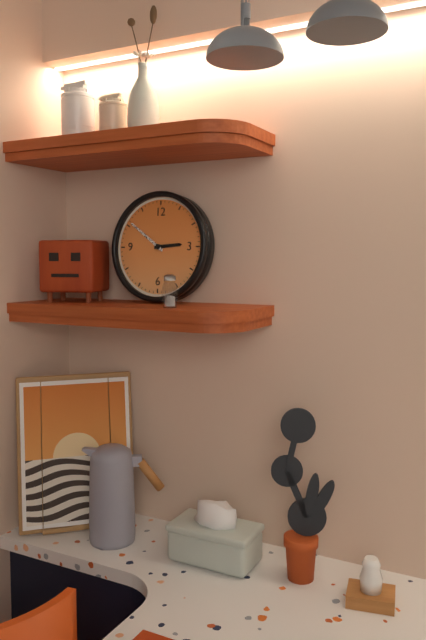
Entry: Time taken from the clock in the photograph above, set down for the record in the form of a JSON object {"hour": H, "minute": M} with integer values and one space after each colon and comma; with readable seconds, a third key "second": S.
{"hour": 2, "minute": 51}
